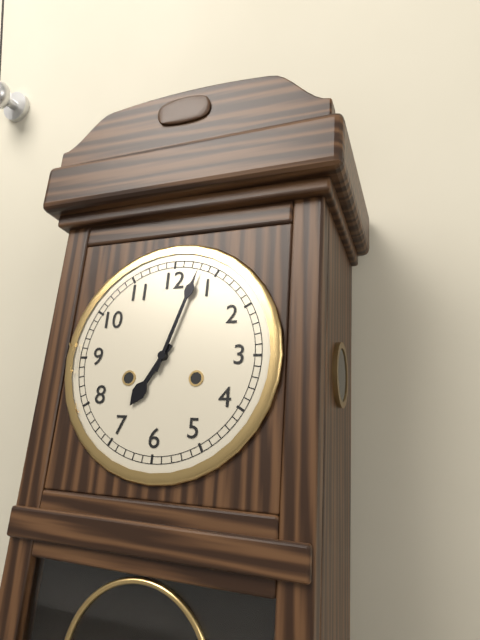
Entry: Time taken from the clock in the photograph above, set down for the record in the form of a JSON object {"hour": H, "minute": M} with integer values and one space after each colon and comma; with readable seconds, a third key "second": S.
{"hour": 7, "minute": 3}
